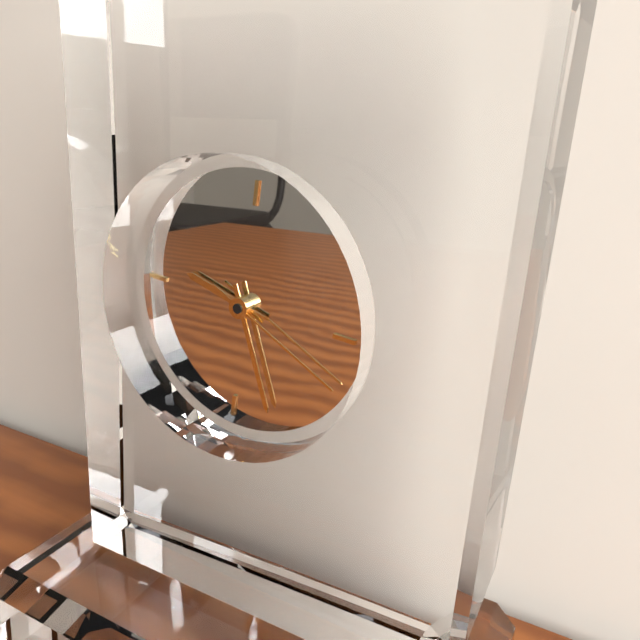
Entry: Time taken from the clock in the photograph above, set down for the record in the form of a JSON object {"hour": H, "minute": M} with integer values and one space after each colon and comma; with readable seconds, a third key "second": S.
{"hour": 9, "minute": 26, "second": 19}
